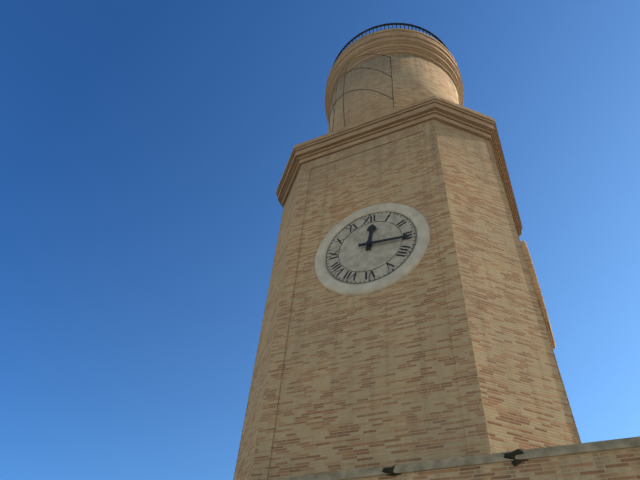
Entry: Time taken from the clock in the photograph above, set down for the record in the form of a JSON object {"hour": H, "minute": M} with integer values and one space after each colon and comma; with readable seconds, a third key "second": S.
{"hour": 12, "minute": 16}
